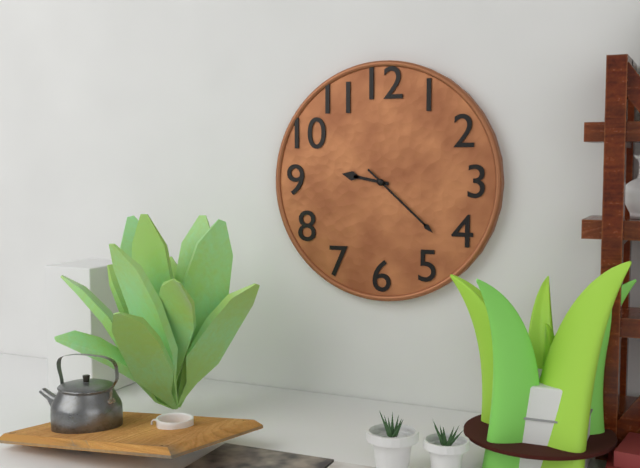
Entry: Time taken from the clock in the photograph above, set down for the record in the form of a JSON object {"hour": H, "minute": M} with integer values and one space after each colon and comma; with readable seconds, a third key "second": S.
{"hour": 9, "minute": 22}
